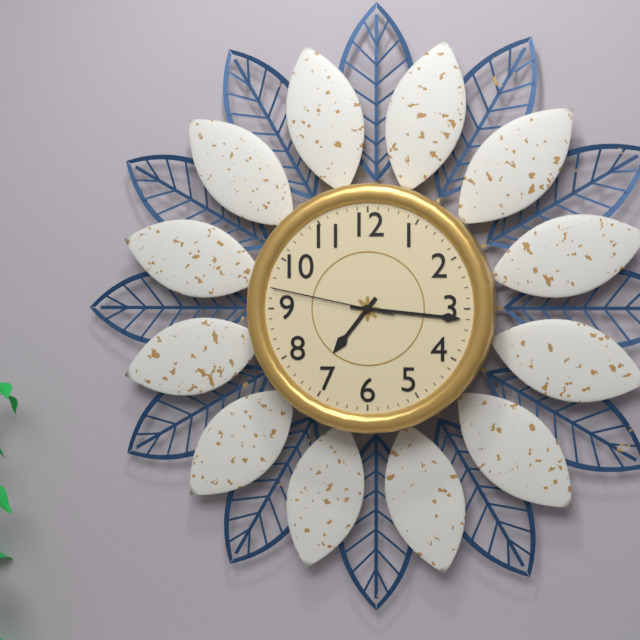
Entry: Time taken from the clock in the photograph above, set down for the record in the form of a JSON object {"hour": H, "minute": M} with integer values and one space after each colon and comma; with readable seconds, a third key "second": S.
{"hour": 7, "minute": 16, "second": 47}
